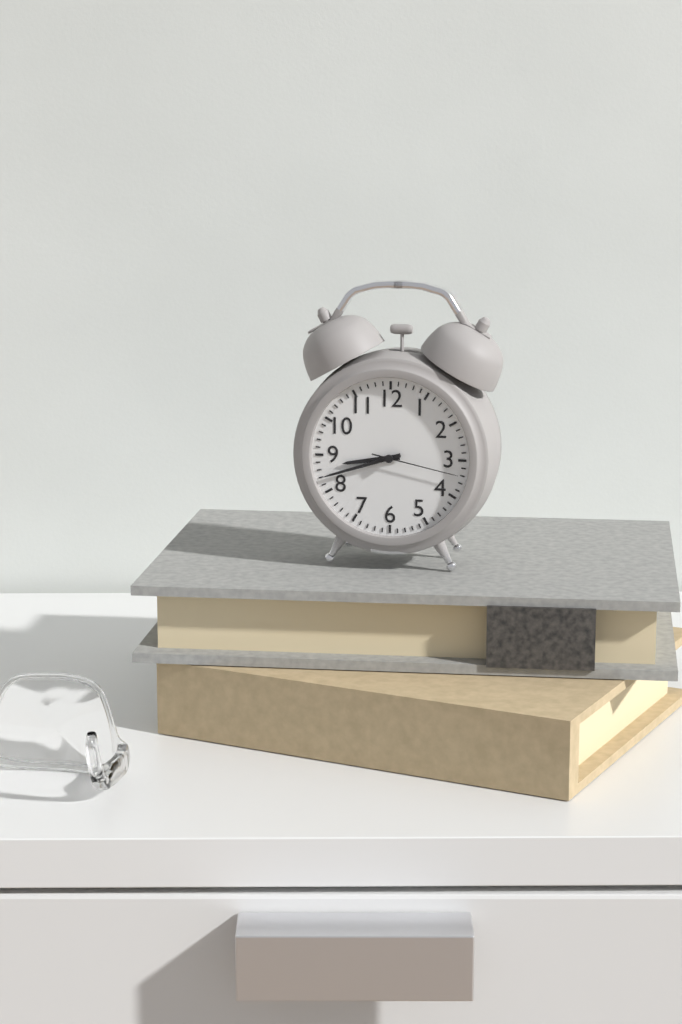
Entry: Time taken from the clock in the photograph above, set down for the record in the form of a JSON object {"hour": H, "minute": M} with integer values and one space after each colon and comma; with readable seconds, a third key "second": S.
{"hour": 8, "minute": 42, "second": 17}
